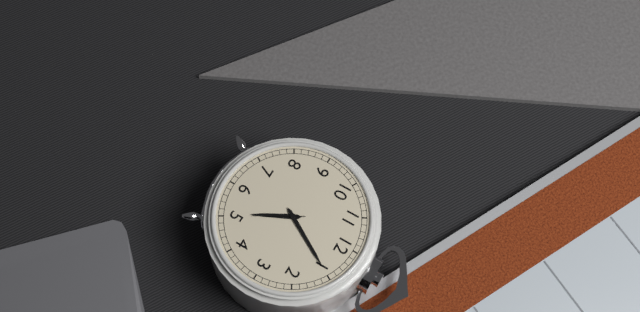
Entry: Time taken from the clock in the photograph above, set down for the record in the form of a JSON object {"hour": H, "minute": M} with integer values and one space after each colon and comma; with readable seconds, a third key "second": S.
{"hour": 5, "minute": 5, "second": 25}
